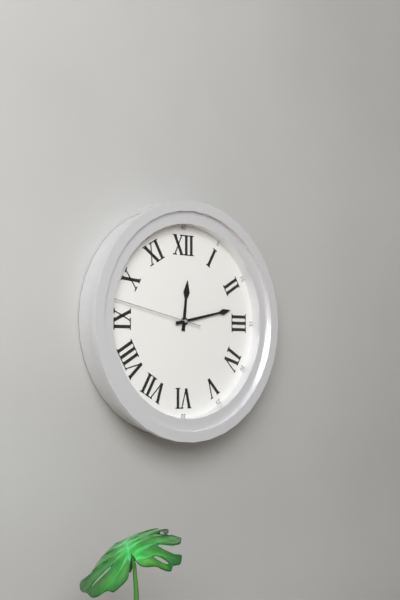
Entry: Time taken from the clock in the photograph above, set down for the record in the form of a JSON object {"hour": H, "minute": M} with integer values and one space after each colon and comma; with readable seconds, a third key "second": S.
{"hour": 12, "minute": 13, "second": 47}
